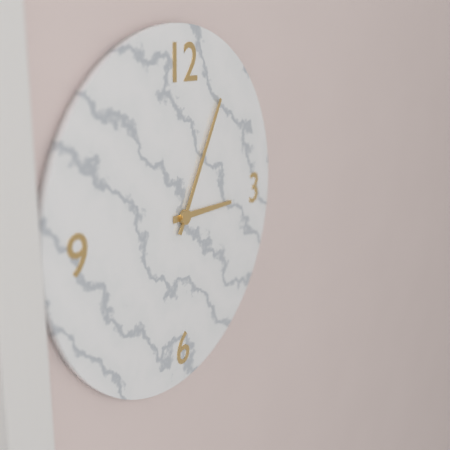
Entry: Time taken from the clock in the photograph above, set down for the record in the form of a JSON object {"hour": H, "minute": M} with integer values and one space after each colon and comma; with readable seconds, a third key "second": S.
{"hour": 3, "minute": 5}
